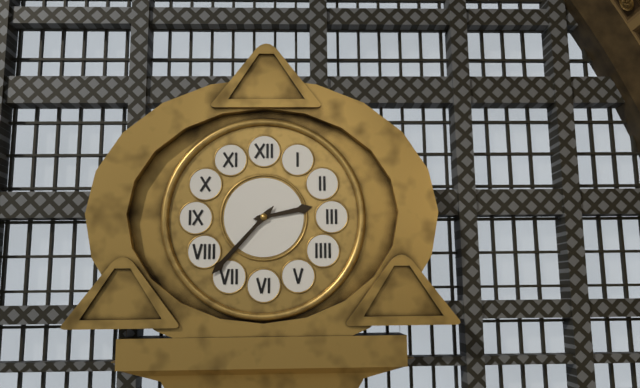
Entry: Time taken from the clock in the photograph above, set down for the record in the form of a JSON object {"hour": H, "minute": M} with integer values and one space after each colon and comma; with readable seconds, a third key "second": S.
{"hour": 2, "minute": 37}
